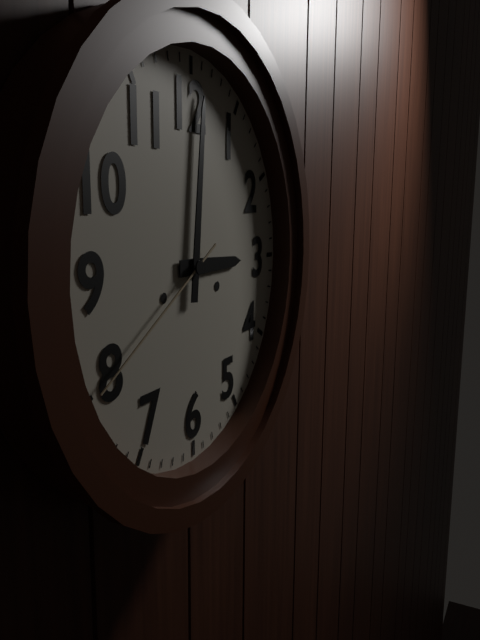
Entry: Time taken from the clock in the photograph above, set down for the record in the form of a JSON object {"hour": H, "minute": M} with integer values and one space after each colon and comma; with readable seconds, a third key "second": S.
{"hour": 3, "minute": 1, "second": 40}
